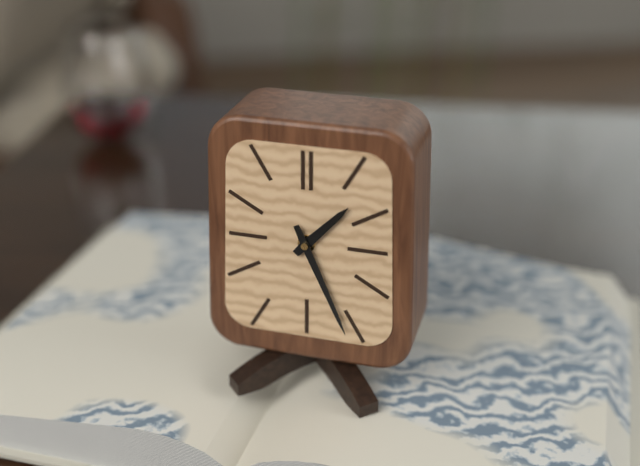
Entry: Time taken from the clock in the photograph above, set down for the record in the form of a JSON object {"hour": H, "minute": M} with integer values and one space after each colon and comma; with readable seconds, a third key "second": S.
{"hour": 1, "minute": 26}
